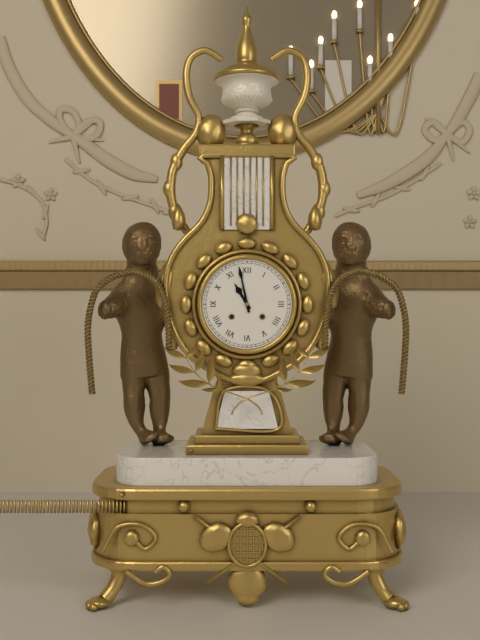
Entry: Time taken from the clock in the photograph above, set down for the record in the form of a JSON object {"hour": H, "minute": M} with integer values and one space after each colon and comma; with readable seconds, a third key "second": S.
{"hour": 10, "minute": 58}
